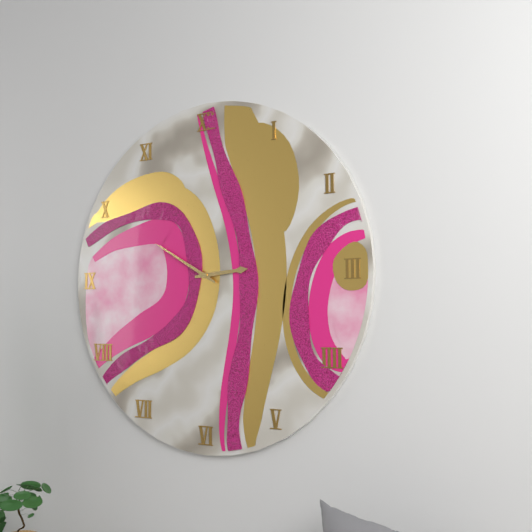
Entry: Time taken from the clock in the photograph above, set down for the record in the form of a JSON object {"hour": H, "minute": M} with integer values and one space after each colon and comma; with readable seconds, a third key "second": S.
{"hour": 2, "minute": 50}
